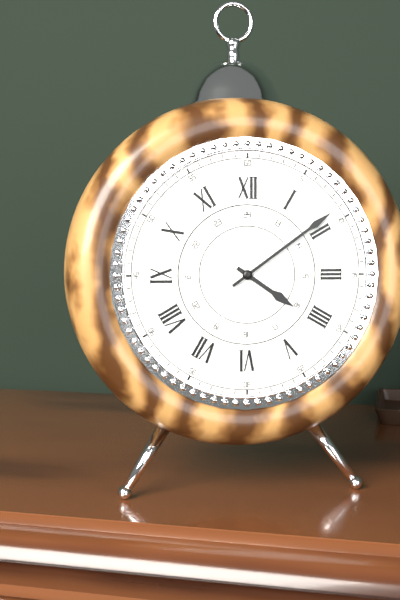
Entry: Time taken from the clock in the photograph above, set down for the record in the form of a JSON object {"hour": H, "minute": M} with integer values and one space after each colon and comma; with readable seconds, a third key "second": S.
{"hour": 4, "minute": 9}
